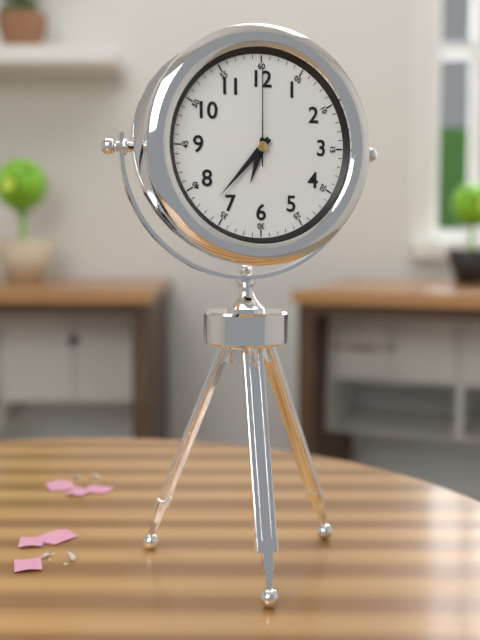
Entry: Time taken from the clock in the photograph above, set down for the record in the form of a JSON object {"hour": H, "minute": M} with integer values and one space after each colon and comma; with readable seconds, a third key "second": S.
{"hour": 6, "minute": 37, "second": 0}
